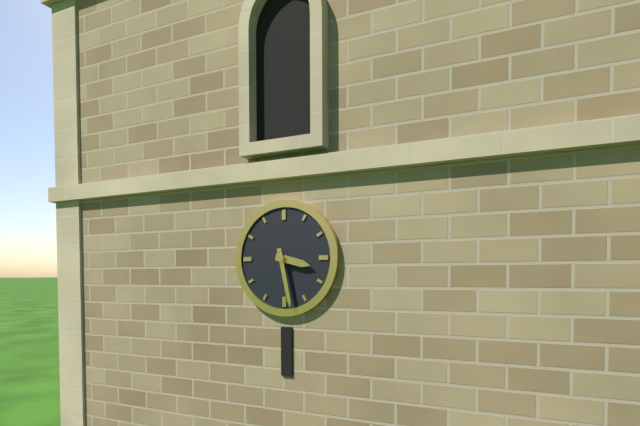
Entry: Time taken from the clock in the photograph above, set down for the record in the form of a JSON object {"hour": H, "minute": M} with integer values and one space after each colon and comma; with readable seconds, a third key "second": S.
{"hour": 3, "minute": 28}
